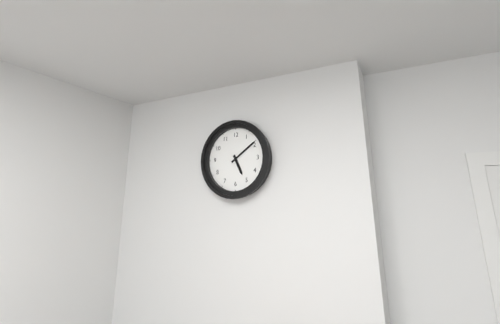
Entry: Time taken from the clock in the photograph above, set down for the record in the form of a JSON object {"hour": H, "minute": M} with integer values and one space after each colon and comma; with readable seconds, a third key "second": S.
{"hour": 5, "minute": 9}
